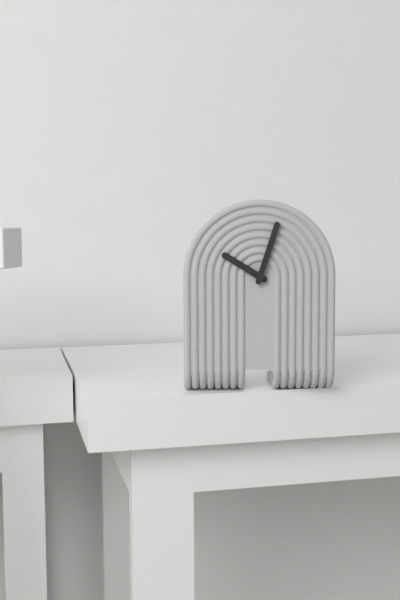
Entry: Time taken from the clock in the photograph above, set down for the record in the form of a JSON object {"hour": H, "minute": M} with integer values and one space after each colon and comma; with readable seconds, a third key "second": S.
{"hour": 10, "minute": 3}
